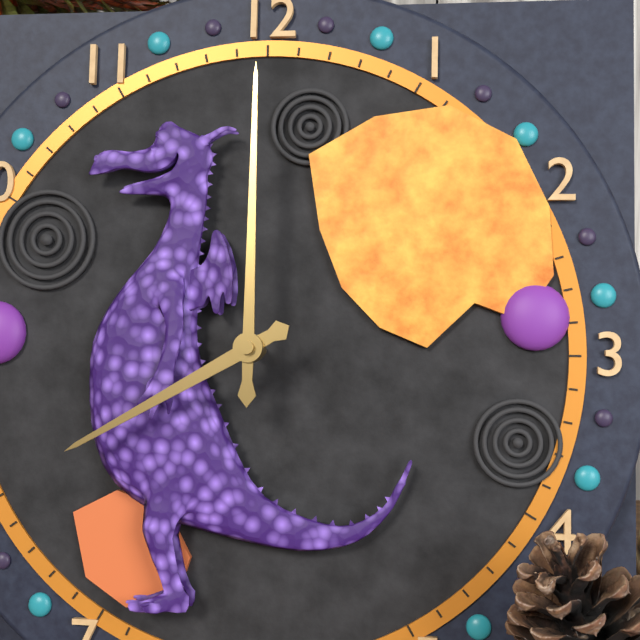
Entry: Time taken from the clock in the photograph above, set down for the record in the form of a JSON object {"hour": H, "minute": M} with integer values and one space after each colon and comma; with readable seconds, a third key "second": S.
{"hour": 8, "minute": 0}
